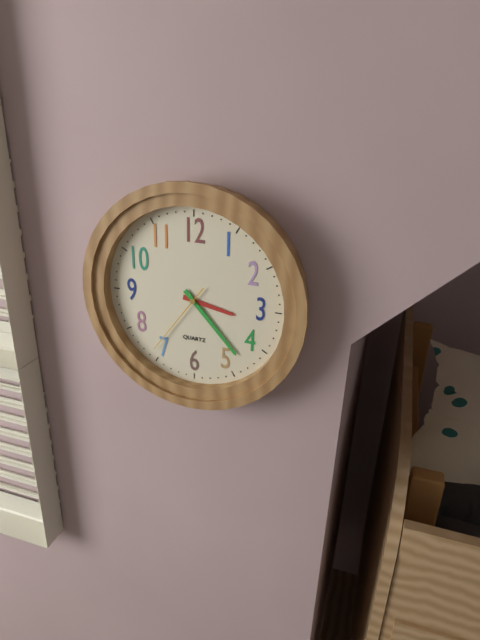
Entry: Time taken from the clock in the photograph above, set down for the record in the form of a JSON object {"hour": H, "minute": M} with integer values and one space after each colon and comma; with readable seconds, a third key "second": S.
{"hour": 3, "minute": 23, "second": 36}
